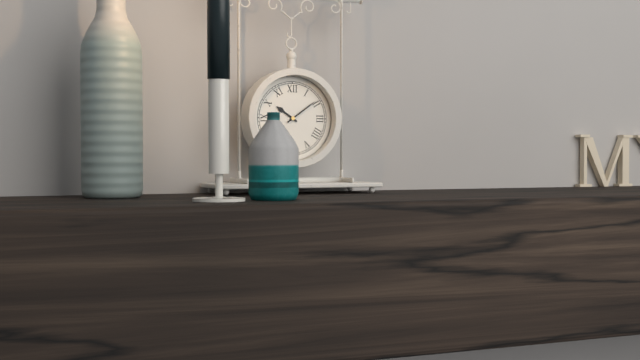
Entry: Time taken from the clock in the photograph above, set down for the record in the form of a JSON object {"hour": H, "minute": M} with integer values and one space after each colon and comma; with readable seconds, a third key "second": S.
{"hour": 10, "minute": 9}
